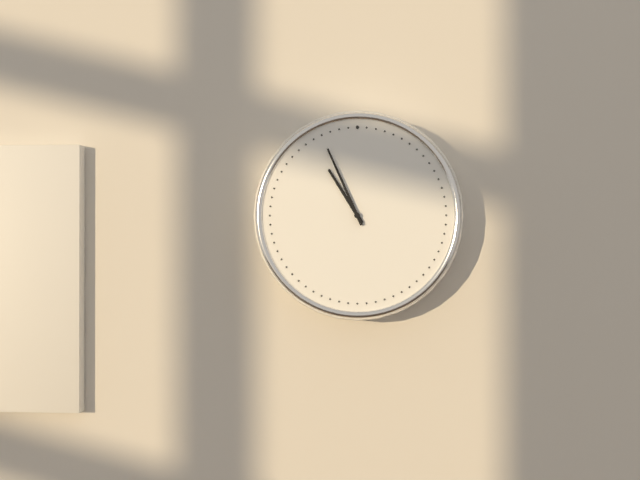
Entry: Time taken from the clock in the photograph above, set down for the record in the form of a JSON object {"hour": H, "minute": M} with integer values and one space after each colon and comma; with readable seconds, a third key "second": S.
{"hour": 10, "minute": 56}
